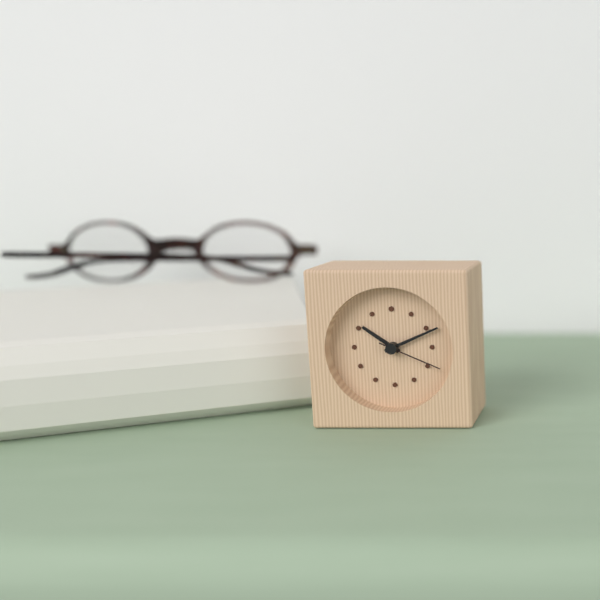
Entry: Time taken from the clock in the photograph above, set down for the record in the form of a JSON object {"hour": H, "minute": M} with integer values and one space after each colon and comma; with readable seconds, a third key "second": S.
{"hour": 10, "minute": 11, "second": 19}
